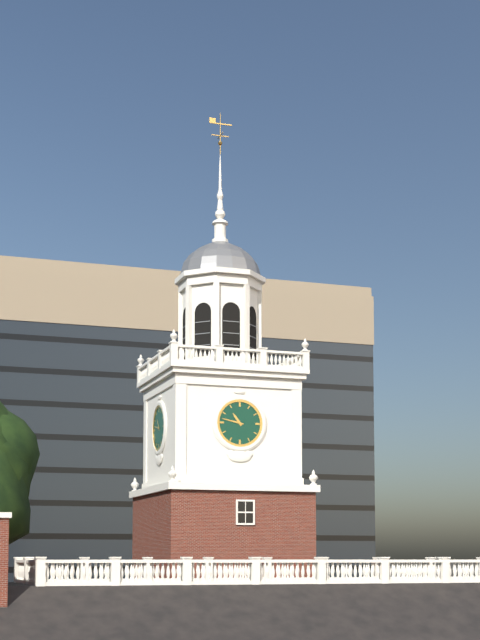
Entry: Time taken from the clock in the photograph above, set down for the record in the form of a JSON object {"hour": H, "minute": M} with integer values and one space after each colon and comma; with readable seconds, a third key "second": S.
{"hour": 10, "minute": 47}
